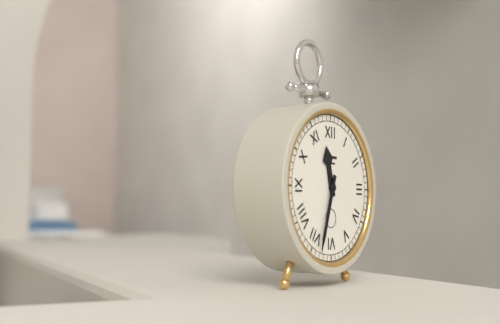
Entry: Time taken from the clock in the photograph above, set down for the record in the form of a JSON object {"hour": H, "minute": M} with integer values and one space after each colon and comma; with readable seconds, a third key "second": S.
{"hour": 11, "minute": 33}
